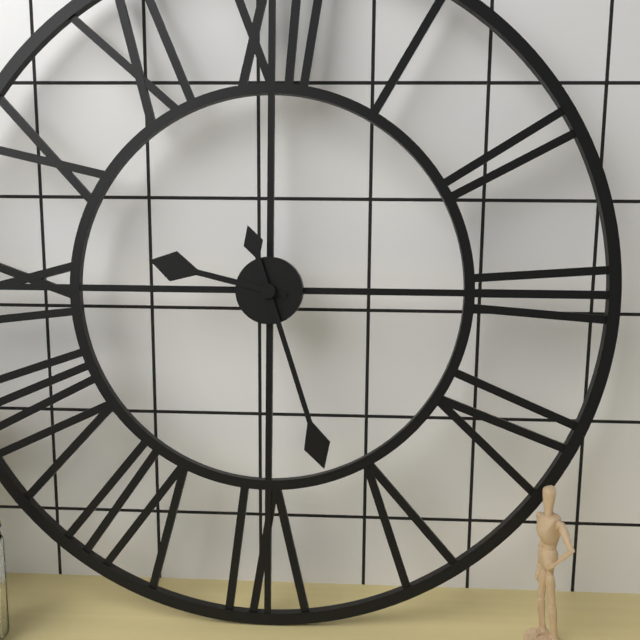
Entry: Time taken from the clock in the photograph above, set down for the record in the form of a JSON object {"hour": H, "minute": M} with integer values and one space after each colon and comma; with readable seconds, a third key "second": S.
{"hour": 9, "minute": 27}
